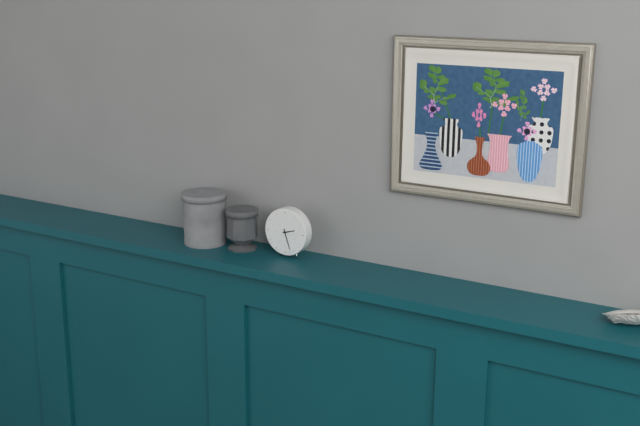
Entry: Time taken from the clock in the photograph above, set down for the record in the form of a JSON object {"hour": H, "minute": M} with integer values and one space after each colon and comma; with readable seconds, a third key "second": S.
{"hour": 2, "minute": 27}
